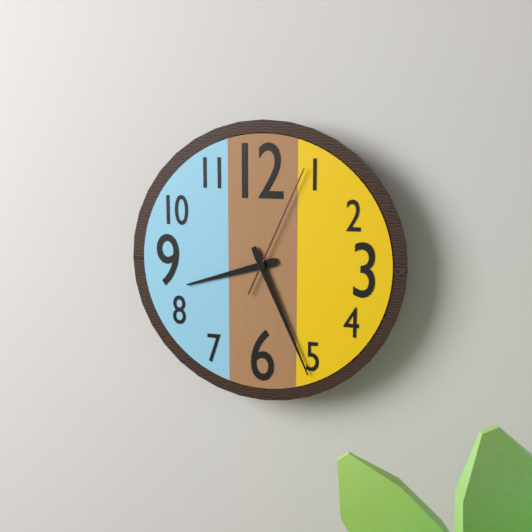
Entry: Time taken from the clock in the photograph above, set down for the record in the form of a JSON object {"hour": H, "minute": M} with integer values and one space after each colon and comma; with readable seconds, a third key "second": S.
{"hour": 8, "minute": 26, "second": 4}
